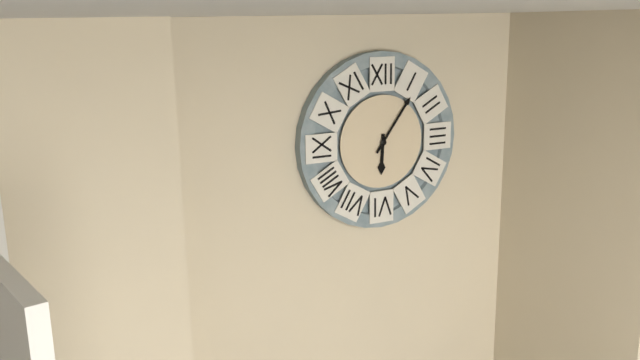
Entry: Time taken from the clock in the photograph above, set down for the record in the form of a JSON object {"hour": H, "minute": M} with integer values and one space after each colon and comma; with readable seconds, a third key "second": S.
{"hour": 6, "minute": 6}
